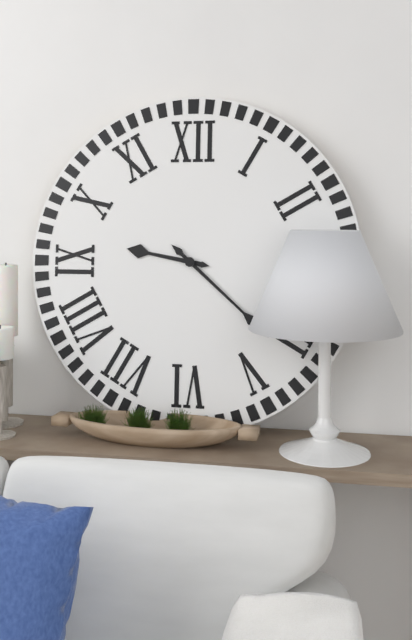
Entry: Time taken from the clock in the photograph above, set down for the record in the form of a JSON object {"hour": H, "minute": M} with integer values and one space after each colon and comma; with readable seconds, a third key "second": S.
{"hour": 9, "minute": 22}
